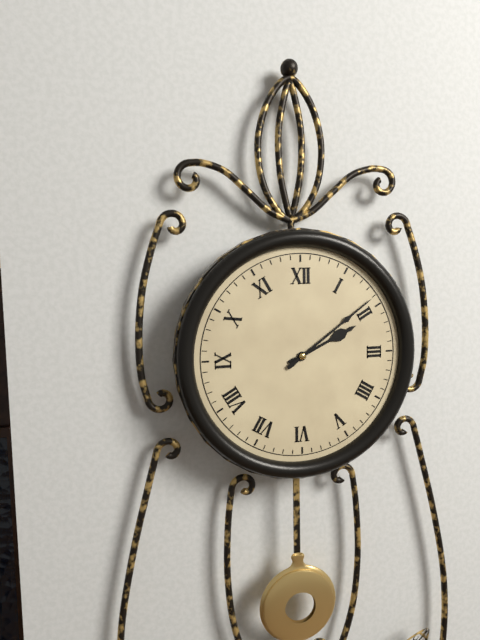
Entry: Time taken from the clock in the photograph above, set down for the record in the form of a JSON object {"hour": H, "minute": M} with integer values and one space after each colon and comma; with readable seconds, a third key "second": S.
{"hour": 2, "minute": 9}
